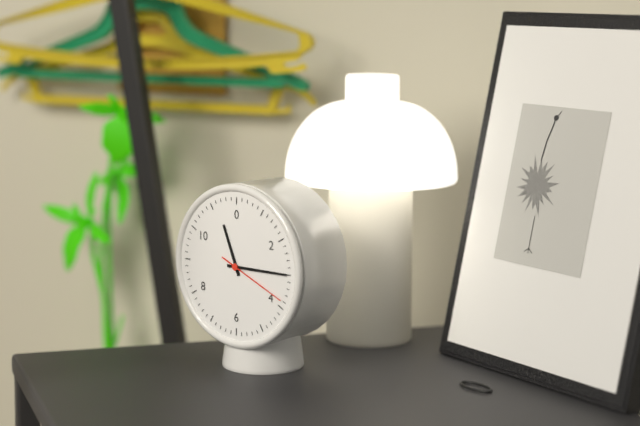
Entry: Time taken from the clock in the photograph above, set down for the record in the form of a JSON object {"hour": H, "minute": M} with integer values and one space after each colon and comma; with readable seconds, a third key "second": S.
{"hour": 11, "minute": 15, "second": 19}
